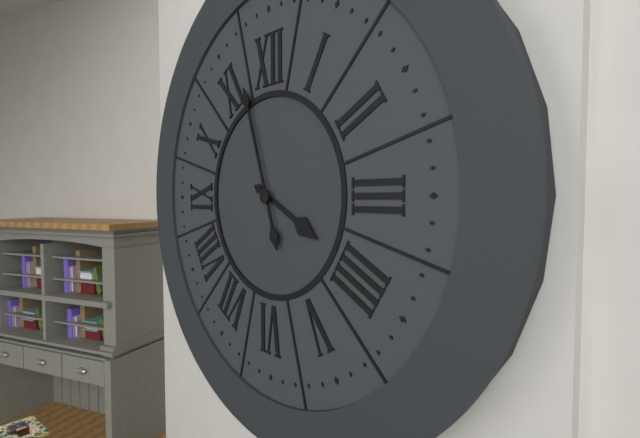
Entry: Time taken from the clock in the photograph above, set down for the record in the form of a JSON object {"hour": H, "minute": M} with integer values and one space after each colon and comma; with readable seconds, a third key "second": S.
{"hour": 3, "minute": 57}
